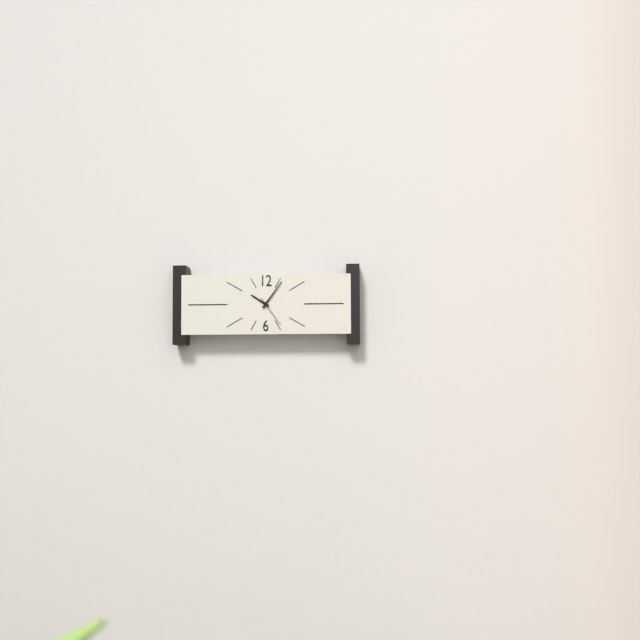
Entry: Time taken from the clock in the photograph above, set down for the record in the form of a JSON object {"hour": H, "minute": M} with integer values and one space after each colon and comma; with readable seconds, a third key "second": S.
{"hour": 10, "minute": 6}
